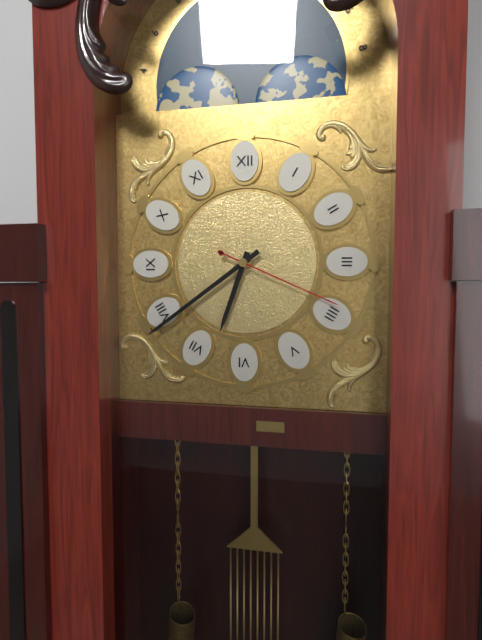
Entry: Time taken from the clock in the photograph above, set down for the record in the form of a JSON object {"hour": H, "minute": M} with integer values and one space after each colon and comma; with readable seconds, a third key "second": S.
{"hour": 6, "minute": 39, "second": 19}
